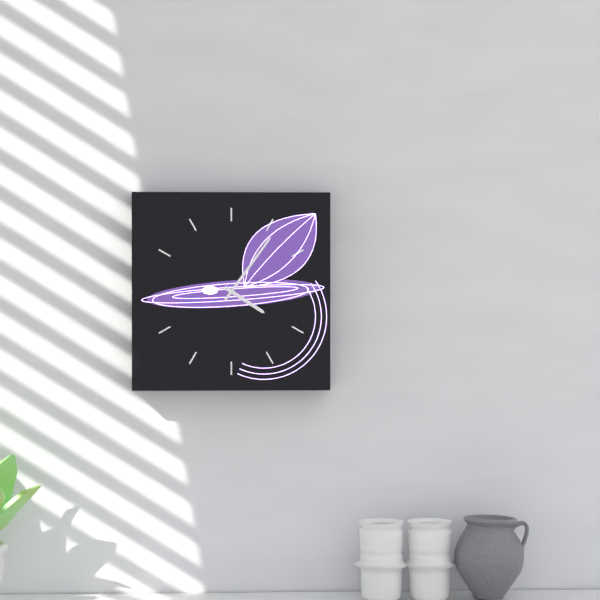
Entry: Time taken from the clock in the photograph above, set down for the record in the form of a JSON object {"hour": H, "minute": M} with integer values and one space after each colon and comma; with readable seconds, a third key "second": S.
{"hour": 4, "minute": 6}
